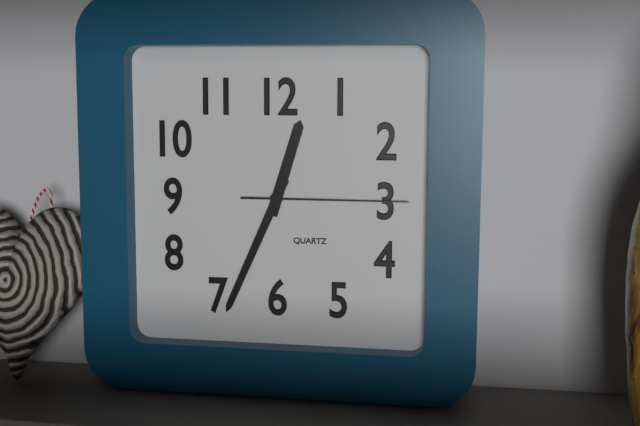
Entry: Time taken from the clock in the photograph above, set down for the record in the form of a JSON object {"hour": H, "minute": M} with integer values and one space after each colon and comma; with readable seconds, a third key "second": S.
{"hour": 12, "minute": 34, "second": 15}
